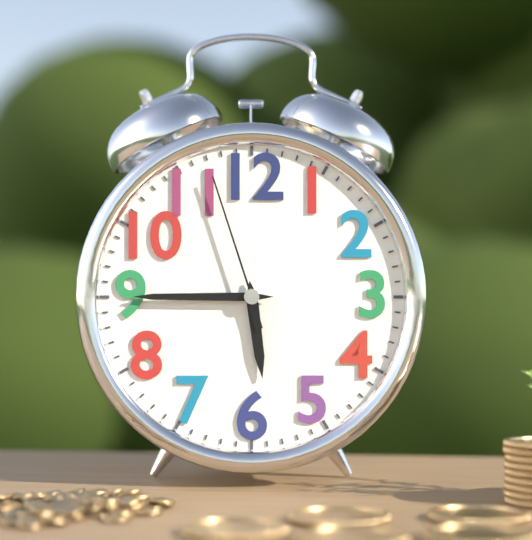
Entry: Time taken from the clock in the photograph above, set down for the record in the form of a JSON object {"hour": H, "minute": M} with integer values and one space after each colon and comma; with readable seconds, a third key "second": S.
{"hour": 5, "minute": 45, "second": 57}
